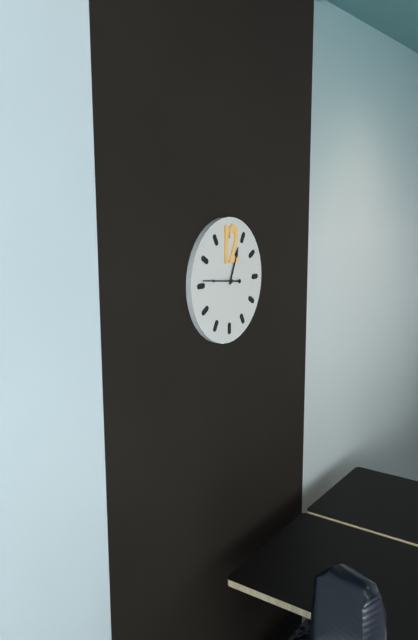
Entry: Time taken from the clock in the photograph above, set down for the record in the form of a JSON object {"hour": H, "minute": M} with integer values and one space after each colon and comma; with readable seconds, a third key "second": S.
{"hour": 12, "minute": 46}
